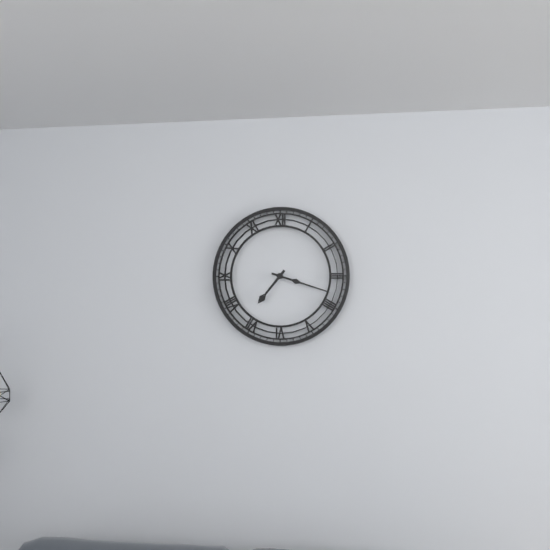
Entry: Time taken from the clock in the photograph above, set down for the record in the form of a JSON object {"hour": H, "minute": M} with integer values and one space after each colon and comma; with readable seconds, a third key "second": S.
{"hour": 7, "minute": 18}
